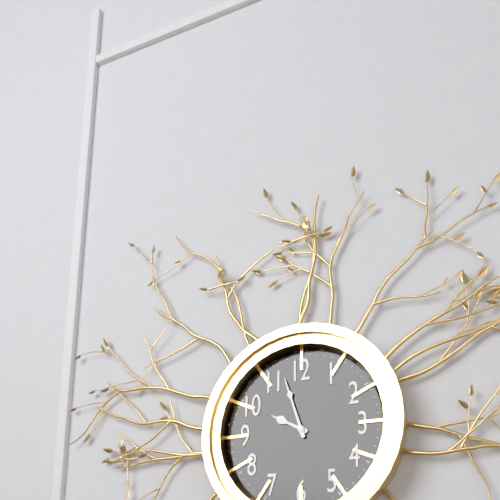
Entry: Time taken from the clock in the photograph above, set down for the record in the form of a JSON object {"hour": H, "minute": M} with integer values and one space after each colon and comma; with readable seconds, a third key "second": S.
{"hour": 9, "minute": 57}
